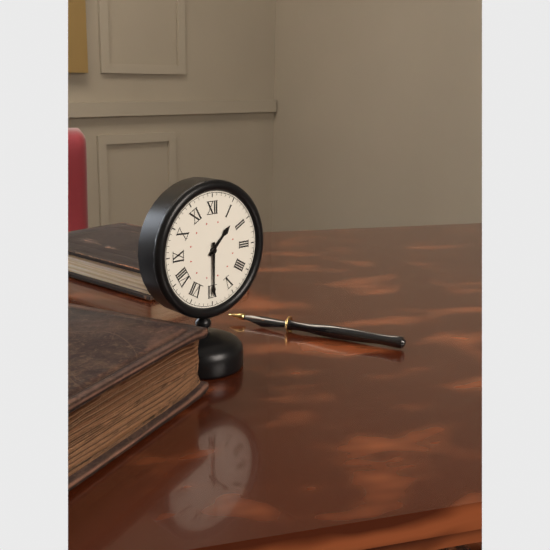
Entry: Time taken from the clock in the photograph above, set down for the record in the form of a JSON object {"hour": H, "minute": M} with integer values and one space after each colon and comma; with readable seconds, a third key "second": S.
{"hour": 1, "minute": 30}
